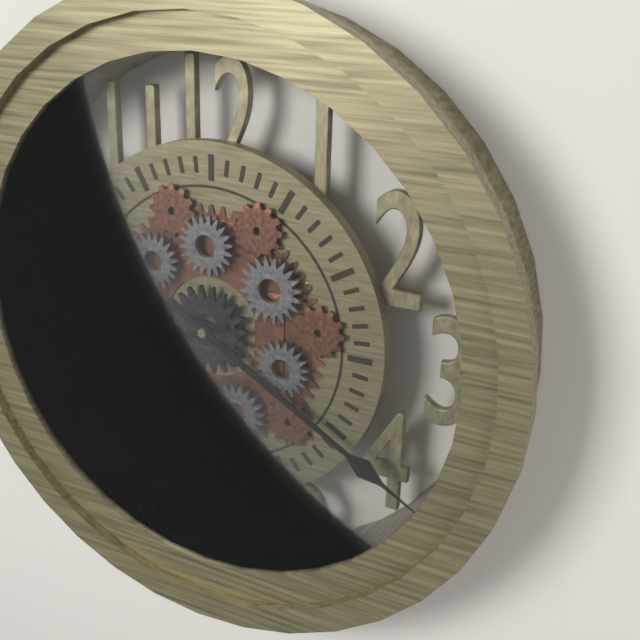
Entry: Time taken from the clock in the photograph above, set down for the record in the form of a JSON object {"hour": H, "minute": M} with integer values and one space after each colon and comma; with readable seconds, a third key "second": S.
{"hour": 8, "minute": 20}
